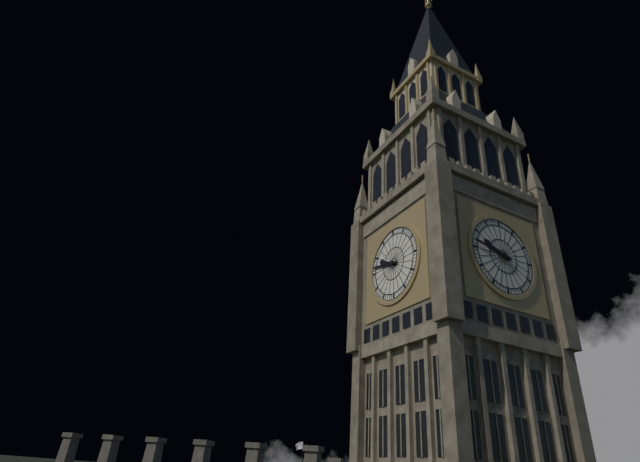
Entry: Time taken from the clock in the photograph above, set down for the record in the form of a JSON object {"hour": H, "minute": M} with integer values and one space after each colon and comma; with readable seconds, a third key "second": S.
{"hour": 9, "minute": 47}
